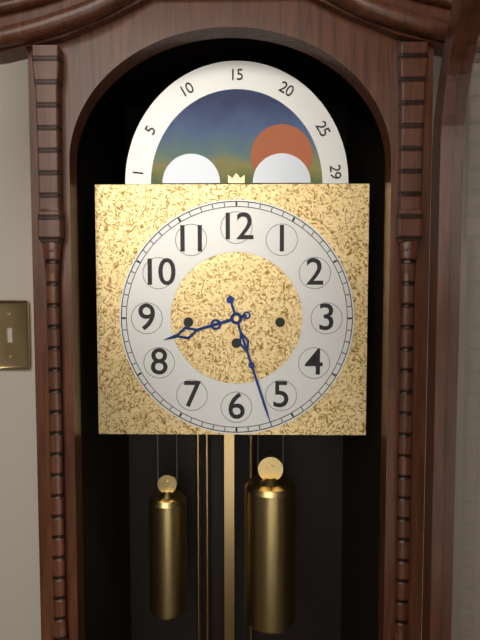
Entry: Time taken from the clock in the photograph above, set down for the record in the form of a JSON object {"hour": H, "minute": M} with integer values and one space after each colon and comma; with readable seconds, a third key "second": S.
{"hour": 8, "minute": 27}
